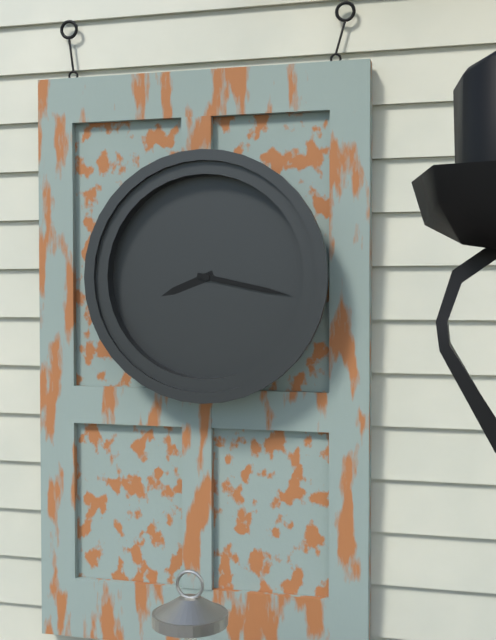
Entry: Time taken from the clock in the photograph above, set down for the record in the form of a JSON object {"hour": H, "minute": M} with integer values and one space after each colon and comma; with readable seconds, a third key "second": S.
{"hour": 8, "minute": 17}
